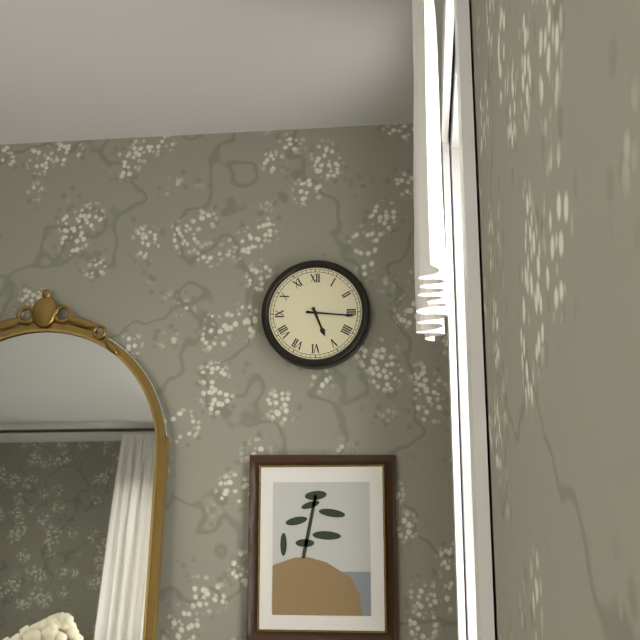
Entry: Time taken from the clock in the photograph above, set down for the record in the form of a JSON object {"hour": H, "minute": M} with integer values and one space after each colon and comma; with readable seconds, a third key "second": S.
{"hour": 5, "minute": 16}
